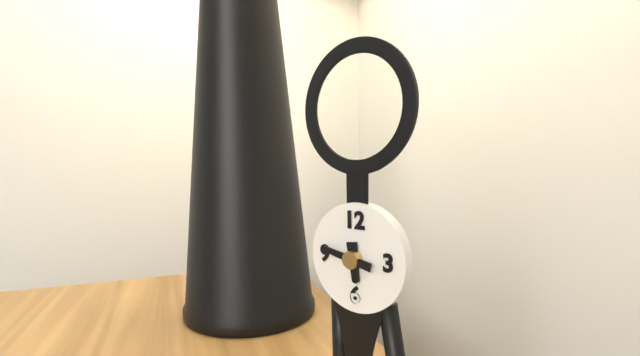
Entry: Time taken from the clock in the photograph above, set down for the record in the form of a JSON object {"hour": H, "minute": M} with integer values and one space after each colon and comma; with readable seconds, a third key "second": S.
{"hour": 5, "minute": 47}
